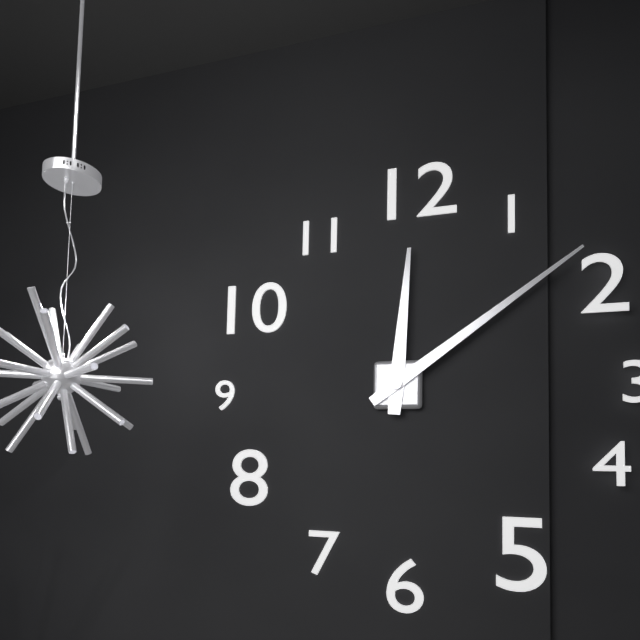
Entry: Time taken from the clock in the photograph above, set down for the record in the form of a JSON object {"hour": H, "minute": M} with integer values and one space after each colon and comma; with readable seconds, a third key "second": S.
{"hour": 12, "minute": 9}
